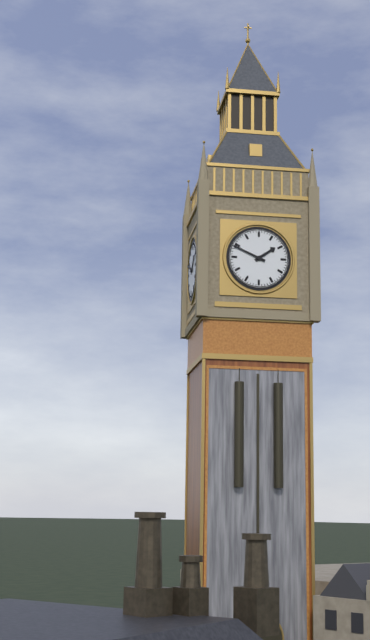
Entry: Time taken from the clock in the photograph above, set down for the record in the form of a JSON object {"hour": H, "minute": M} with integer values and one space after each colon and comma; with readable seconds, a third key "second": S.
{"hour": 1, "minute": 49}
